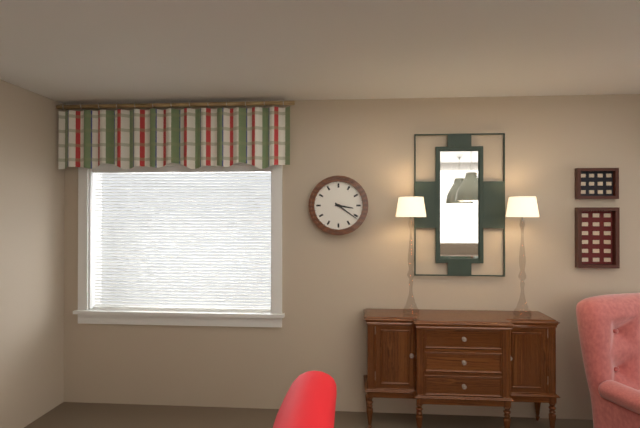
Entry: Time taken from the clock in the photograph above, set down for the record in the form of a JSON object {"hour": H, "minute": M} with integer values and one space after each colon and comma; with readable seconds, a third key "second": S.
{"hour": 3, "minute": 21}
